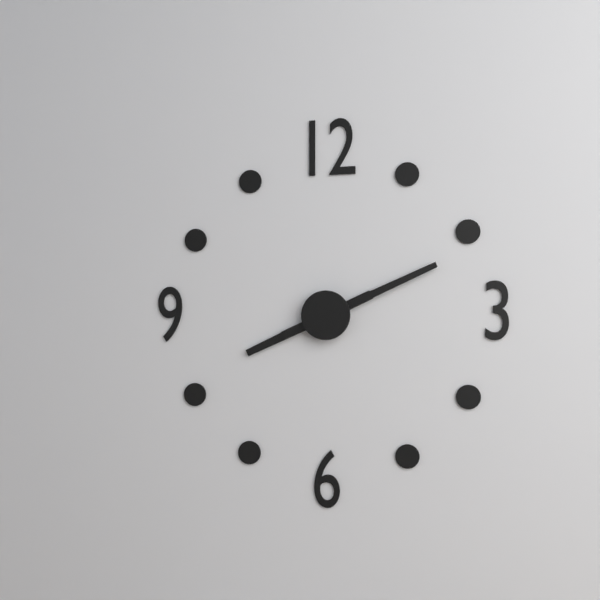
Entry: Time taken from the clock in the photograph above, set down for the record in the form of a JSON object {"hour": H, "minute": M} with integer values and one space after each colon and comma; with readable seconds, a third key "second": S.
{"hour": 8, "minute": 11}
